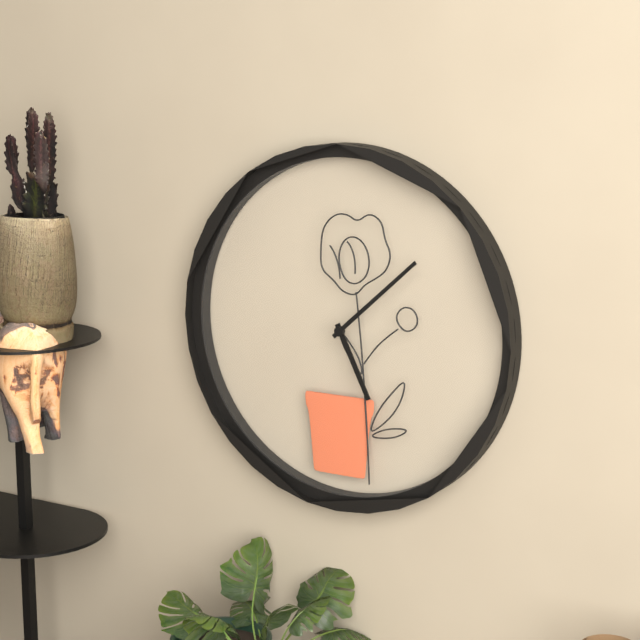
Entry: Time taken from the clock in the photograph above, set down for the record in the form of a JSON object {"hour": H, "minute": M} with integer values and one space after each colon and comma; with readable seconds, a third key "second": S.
{"hour": 5, "minute": 8}
